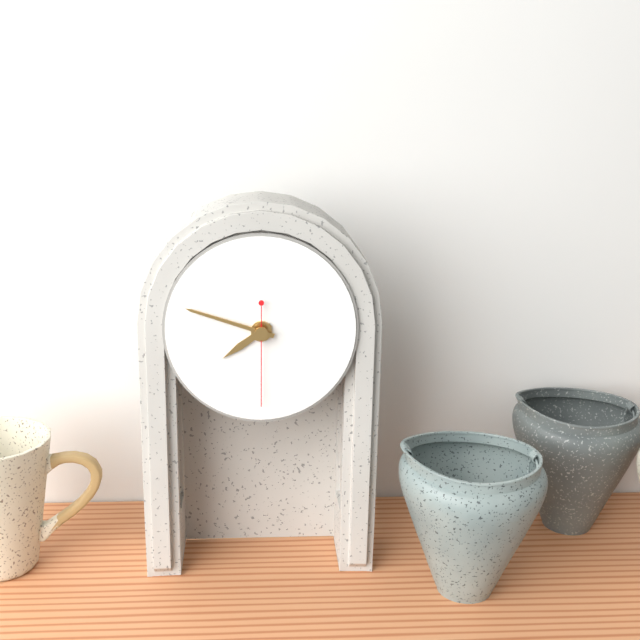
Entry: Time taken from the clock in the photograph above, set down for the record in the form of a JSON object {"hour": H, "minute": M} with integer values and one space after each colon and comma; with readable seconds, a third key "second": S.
{"hour": 7, "minute": 48, "second": 30}
